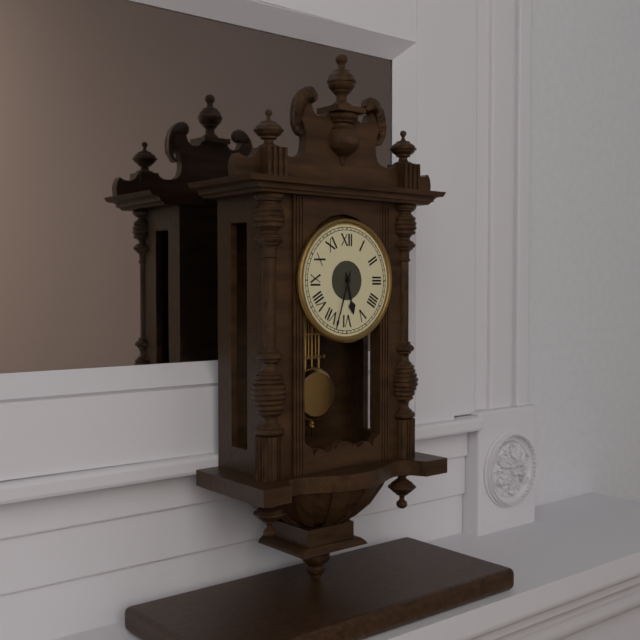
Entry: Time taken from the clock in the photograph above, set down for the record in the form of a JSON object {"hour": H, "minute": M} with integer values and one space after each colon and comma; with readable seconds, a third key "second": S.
{"hour": 5, "minute": 33}
